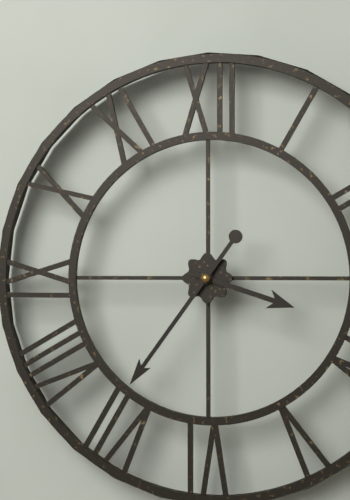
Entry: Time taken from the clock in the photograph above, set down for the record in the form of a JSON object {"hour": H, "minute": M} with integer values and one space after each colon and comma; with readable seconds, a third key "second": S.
{"hour": 3, "minute": 36}
